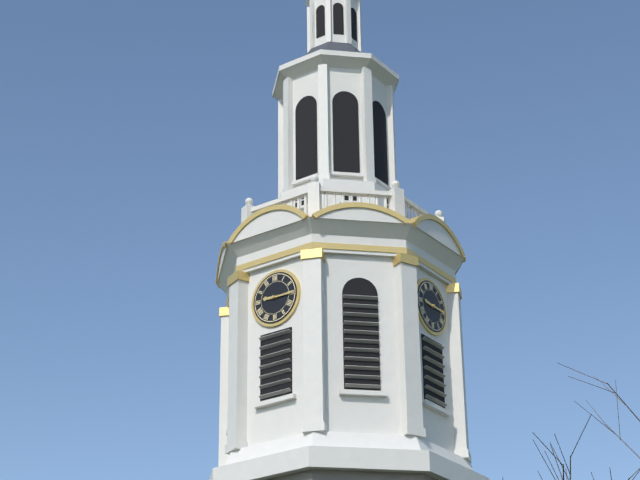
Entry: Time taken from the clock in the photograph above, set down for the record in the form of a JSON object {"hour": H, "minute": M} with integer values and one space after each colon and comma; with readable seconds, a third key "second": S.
{"hour": 9, "minute": 15}
